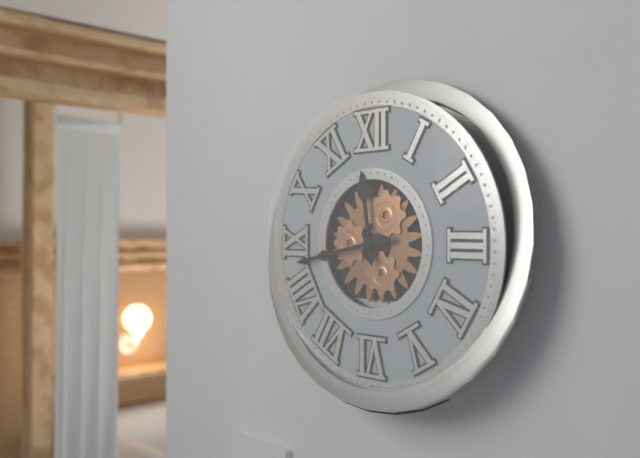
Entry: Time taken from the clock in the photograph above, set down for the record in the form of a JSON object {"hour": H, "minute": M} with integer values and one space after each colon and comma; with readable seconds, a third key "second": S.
{"hour": 11, "minute": 43}
